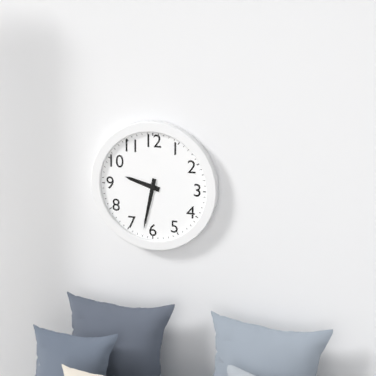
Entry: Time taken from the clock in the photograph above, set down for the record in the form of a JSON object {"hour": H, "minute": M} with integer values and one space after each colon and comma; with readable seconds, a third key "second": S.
{"hour": 9, "minute": 32}
